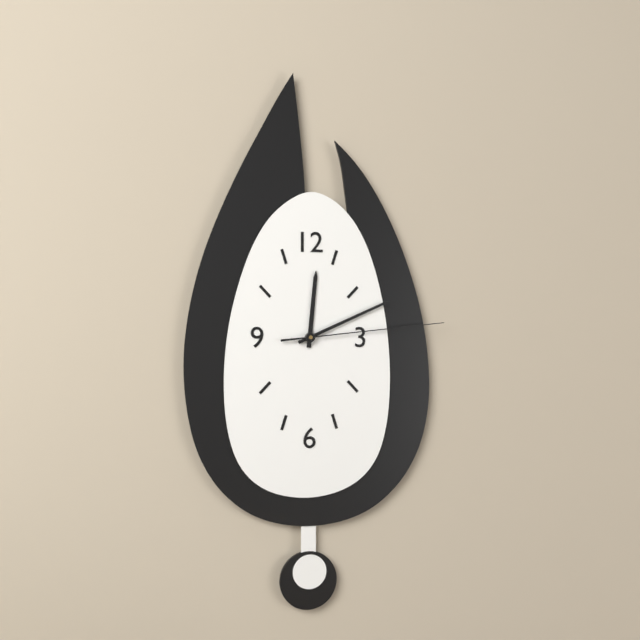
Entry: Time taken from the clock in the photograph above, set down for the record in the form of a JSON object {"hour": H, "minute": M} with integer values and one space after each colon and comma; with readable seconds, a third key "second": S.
{"hour": 12, "minute": 11, "second": 14}
